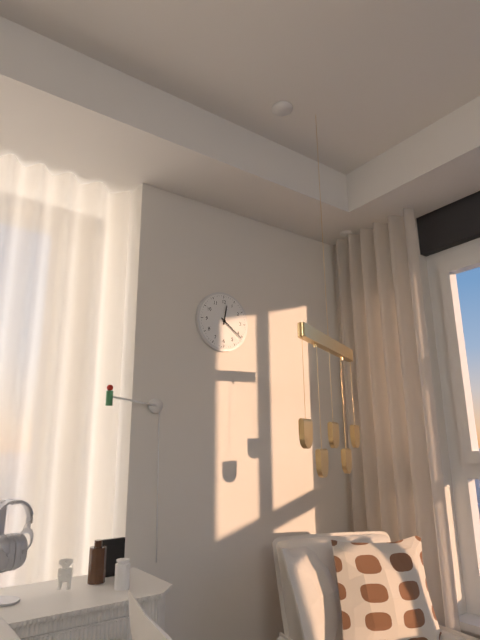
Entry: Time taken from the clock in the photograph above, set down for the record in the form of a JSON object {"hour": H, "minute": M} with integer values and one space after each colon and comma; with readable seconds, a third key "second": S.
{"hour": 12, "minute": 21}
